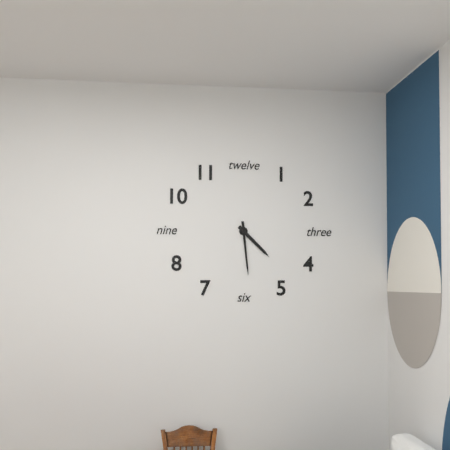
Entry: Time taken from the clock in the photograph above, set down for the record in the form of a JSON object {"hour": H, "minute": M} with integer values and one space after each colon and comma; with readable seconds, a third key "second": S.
{"hour": 4, "minute": 29}
